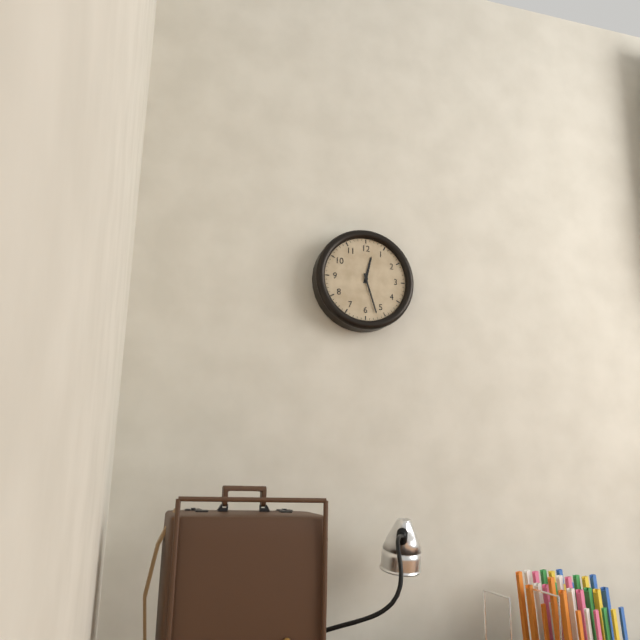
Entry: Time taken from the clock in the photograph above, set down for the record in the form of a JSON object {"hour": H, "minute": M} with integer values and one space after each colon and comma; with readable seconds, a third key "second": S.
{"hour": 12, "minute": 27}
